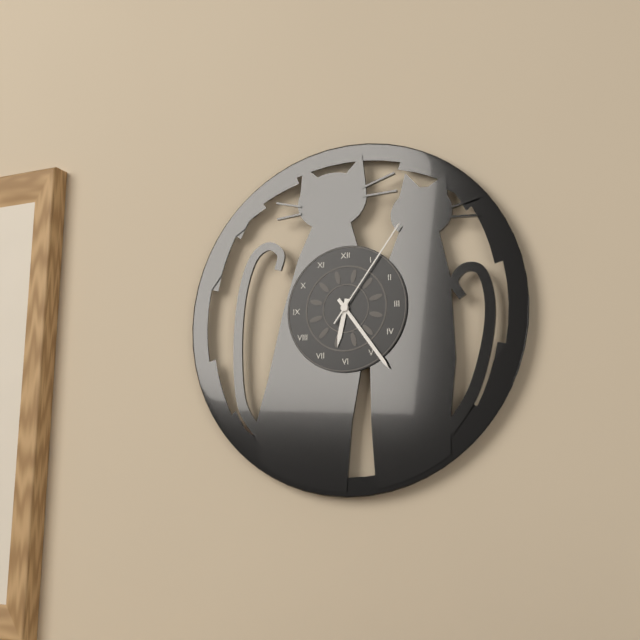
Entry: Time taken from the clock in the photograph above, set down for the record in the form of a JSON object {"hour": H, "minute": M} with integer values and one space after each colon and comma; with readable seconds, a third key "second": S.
{"hour": 6, "minute": 24, "second": 6}
